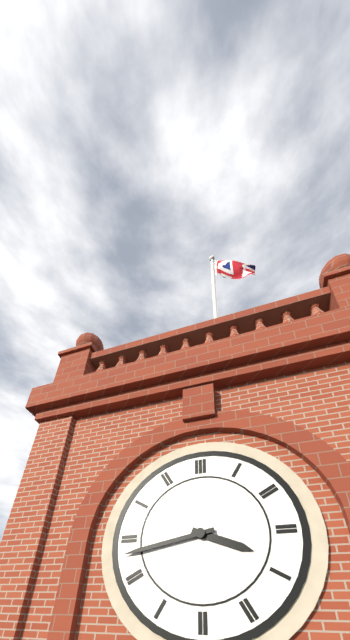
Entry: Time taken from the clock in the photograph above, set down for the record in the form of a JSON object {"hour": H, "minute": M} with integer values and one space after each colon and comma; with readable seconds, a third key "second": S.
{"hour": 3, "minute": 43}
